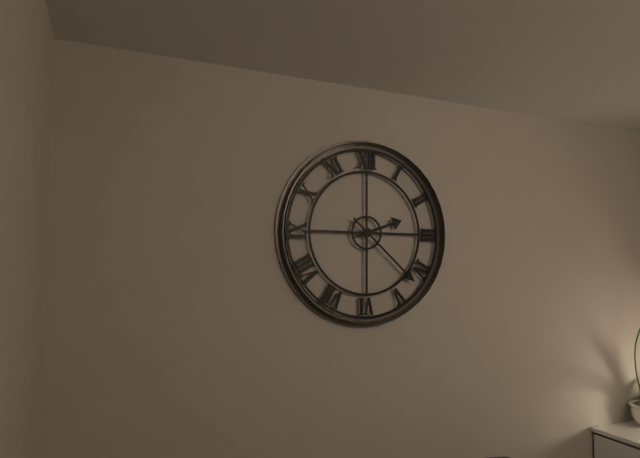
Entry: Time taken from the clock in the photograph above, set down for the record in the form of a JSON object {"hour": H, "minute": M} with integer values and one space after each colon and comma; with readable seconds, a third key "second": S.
{"hour": 2, "minute": 22}
